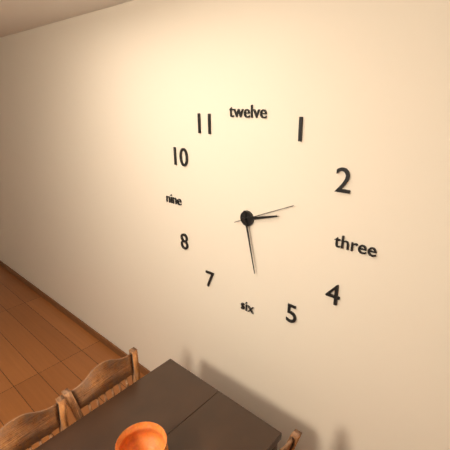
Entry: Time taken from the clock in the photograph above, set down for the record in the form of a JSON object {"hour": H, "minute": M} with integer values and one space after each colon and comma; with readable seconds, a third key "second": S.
{"hour": 2, "minute": 28, "second": 11}
